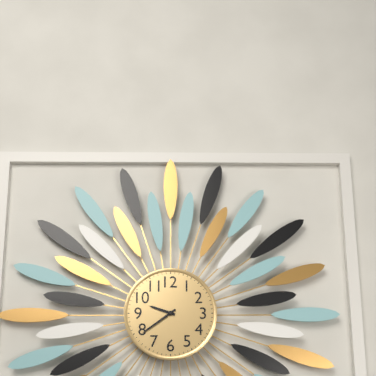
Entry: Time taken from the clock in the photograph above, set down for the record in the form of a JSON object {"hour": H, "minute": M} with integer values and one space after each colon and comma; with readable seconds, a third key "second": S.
{"hour": 9, "minute": 39}
